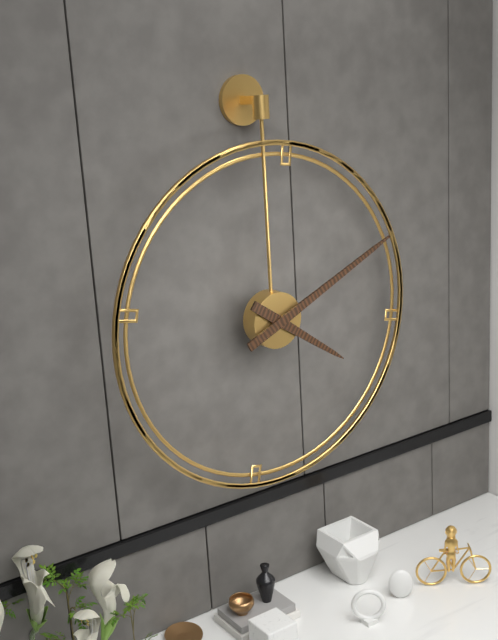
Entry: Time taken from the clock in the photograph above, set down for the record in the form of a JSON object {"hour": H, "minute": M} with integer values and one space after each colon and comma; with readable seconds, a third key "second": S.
{"hour": 4, "minute": 11}
